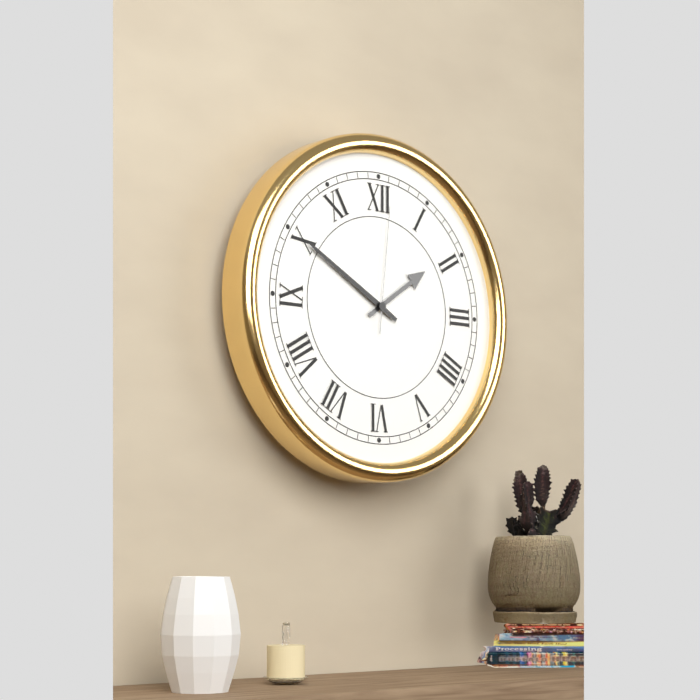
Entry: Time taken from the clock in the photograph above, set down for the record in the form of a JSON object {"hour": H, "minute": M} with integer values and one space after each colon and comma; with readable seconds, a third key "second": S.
{"hour": 1, "minute": 50, "second": 1}
